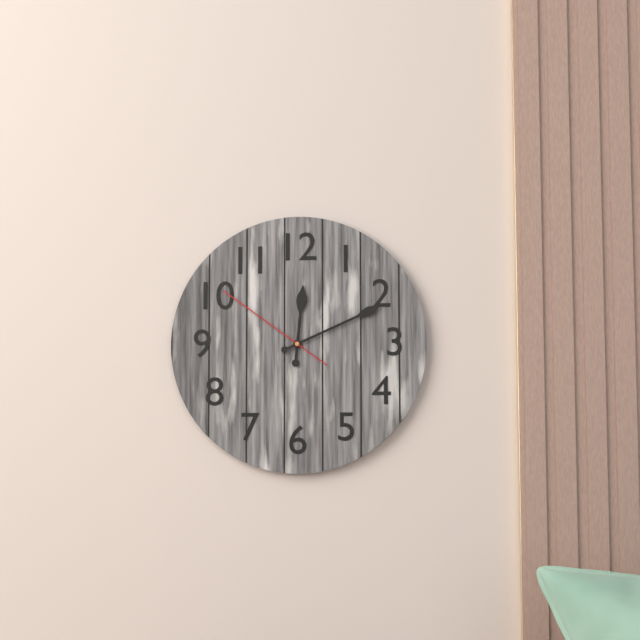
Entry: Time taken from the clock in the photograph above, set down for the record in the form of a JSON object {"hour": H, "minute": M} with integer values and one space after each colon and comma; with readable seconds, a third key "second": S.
{"hour": 12, "minute": 11, "second": 51}
